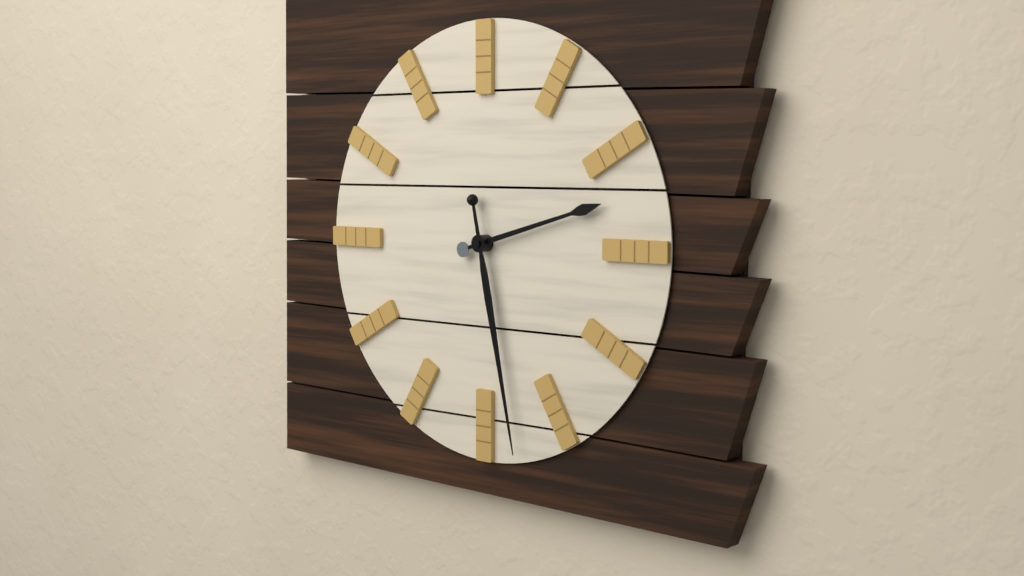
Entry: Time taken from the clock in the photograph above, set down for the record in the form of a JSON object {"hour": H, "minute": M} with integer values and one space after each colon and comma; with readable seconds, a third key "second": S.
{"hour": 2, "minute": 28}
